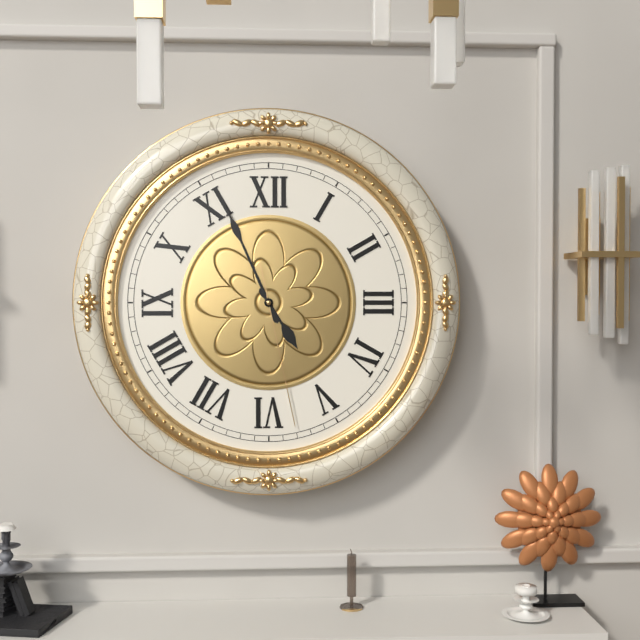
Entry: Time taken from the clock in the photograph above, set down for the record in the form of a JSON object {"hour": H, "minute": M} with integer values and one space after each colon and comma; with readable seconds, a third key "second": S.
{"hour": 4, "minute": 56, "second": 28}
